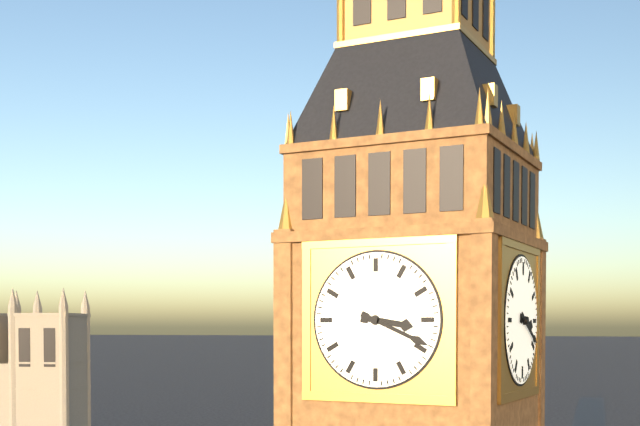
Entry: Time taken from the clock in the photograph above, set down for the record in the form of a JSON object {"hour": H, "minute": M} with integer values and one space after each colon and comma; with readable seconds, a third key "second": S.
{"hour": 3, "minute": 19}
